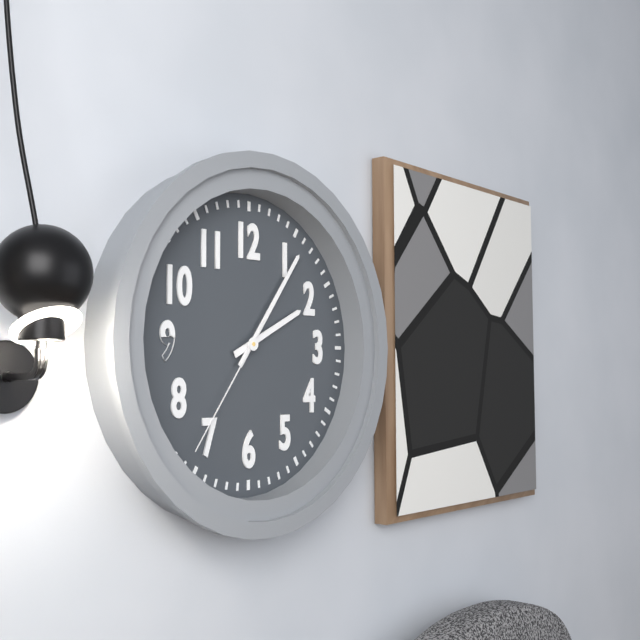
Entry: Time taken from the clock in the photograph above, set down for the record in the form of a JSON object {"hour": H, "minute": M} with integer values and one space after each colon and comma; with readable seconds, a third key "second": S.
{"hour": 2, "minute": 6, "second": 36}
